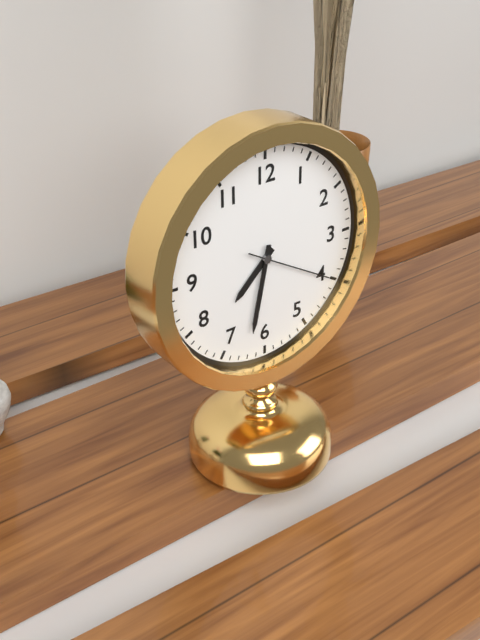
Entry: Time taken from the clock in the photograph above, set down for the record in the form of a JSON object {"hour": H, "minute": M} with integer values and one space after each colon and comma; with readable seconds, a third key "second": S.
{"hour": 7, "minute": 32, "second": 20}
